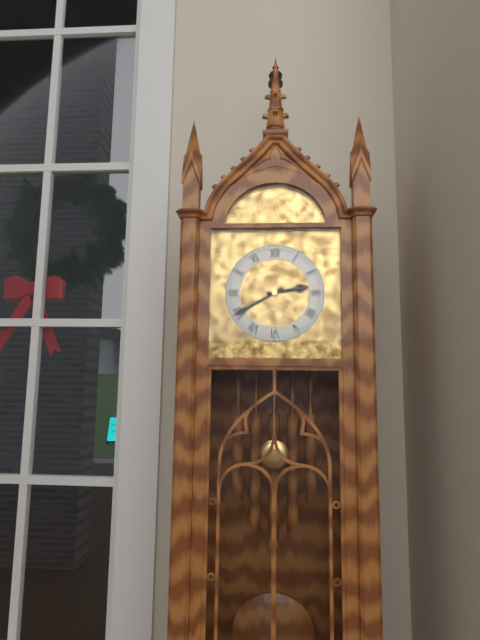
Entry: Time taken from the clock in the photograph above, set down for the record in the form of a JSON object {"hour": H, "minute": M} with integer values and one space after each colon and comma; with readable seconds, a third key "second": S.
{"hour": 2, "minute": 40}
